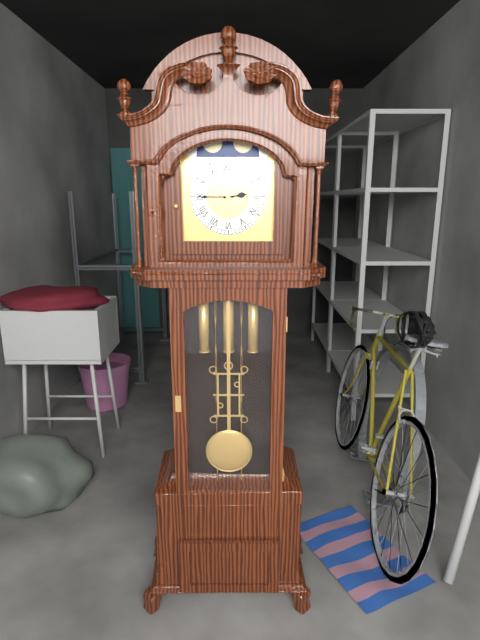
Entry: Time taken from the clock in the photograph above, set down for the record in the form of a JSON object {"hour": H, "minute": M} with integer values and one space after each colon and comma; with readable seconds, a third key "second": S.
{"hour": 2, "minute": 45}
